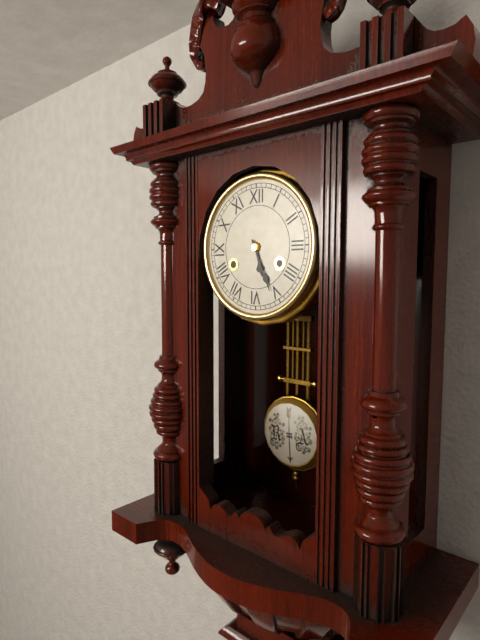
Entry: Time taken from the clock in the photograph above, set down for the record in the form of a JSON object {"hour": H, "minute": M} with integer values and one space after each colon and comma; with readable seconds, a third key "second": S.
{"hour": 5, "minute": 26}
